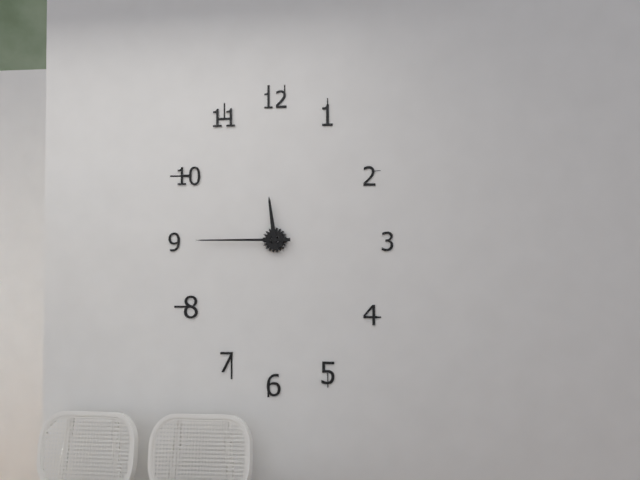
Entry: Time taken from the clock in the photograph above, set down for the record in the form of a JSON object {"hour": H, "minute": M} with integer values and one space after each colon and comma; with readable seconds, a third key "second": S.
{"hour": 11, "minute": 45}
